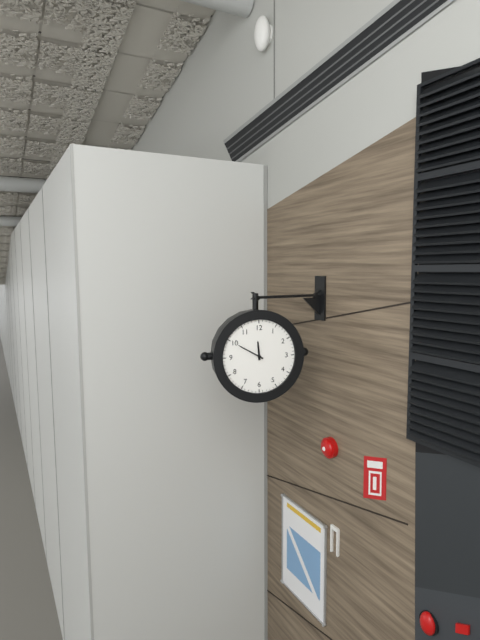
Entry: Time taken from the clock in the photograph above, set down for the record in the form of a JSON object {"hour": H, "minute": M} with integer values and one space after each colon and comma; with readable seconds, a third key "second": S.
{"hour": 11, "minute": 50}
